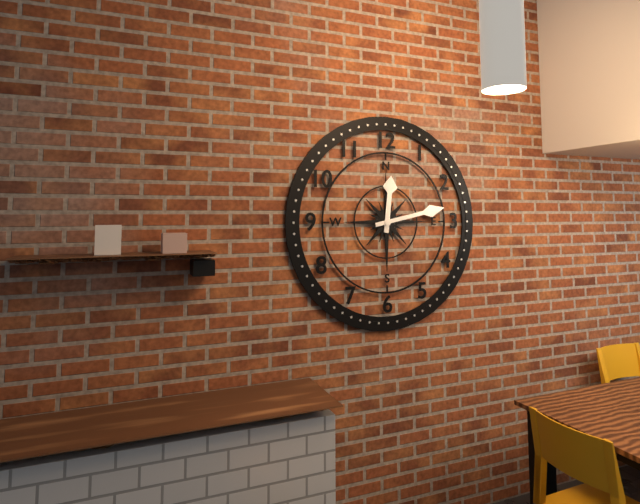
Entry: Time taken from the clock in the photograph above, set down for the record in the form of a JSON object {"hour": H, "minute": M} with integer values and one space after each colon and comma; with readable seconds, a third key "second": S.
{"hour": 12, "minute": 13}
